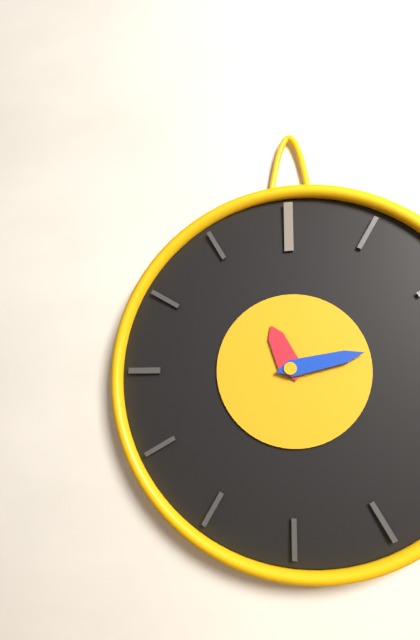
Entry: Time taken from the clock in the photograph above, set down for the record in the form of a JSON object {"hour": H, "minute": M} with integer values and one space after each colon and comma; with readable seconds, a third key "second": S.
{"hour": 11, "minute": 13}
